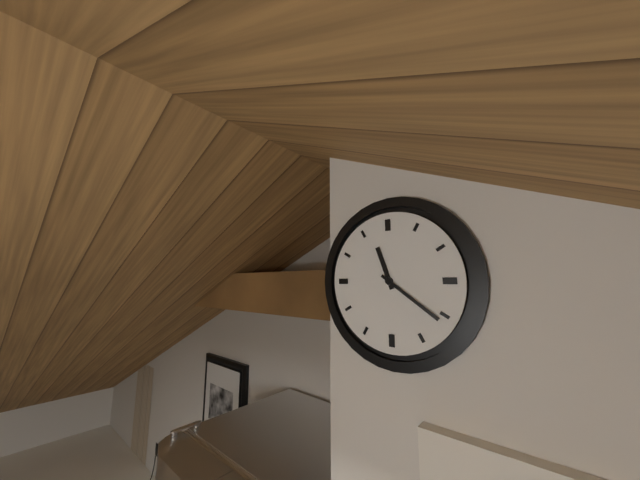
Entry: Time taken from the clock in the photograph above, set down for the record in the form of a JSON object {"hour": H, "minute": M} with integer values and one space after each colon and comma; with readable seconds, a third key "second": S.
{"hour": 11, "minute": 21}
